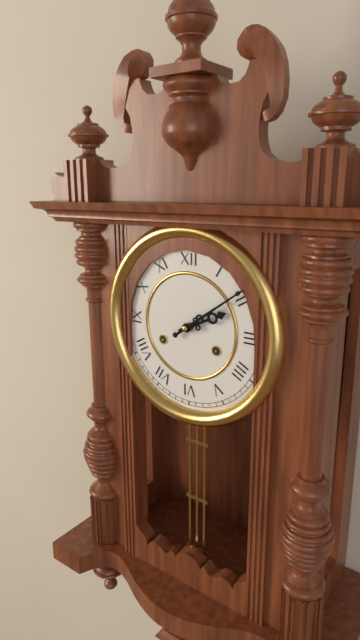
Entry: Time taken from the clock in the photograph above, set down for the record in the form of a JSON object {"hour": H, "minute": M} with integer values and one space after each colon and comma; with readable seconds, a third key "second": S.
{"hour": 2, "minute": 9}
